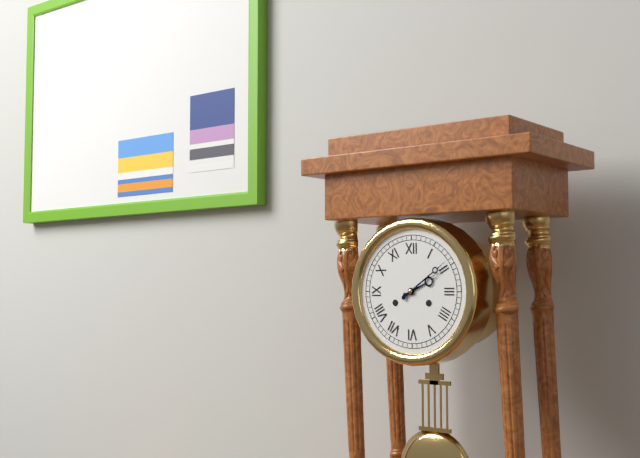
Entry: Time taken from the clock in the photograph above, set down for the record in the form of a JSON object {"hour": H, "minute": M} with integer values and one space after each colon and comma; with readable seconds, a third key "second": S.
{"hour": 2, "minute": 9}
